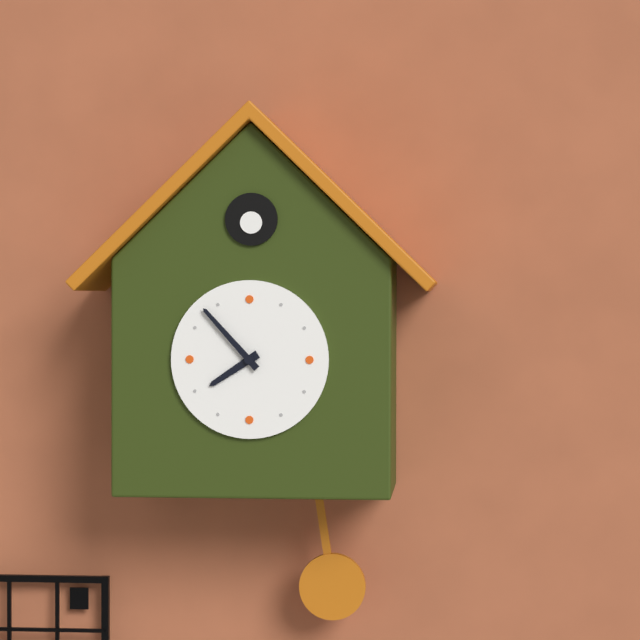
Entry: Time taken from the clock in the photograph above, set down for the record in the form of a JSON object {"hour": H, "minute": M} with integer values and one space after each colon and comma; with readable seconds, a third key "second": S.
{"hour": 7, "minute": 53}
